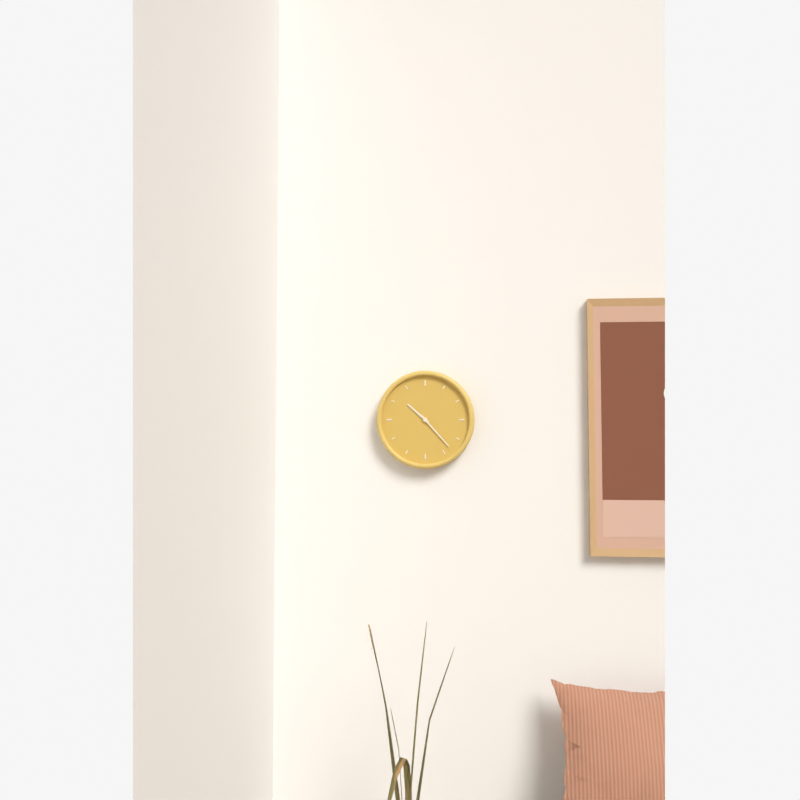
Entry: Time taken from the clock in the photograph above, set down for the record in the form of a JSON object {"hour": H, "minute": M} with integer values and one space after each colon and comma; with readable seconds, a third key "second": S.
{"hour": 10, "minute": 23}
